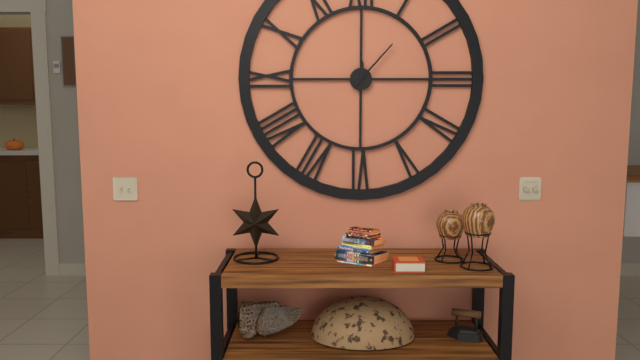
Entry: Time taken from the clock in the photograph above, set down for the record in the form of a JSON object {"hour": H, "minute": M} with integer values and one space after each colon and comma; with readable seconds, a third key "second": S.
{"hour": 12, "minute": 7}
